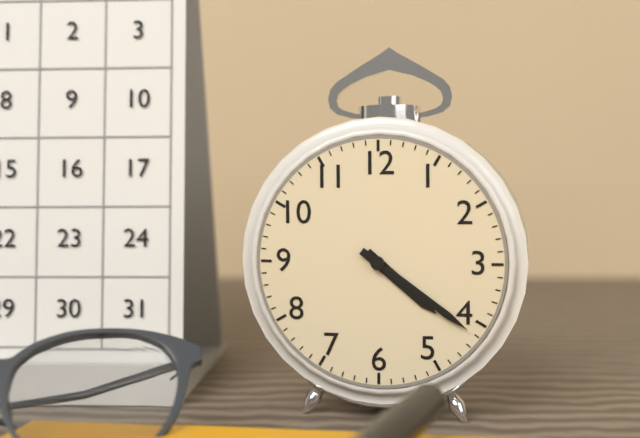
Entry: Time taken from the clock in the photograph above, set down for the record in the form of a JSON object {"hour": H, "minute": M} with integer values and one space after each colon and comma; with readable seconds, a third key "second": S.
{"hour": 4, "minute": 21}
